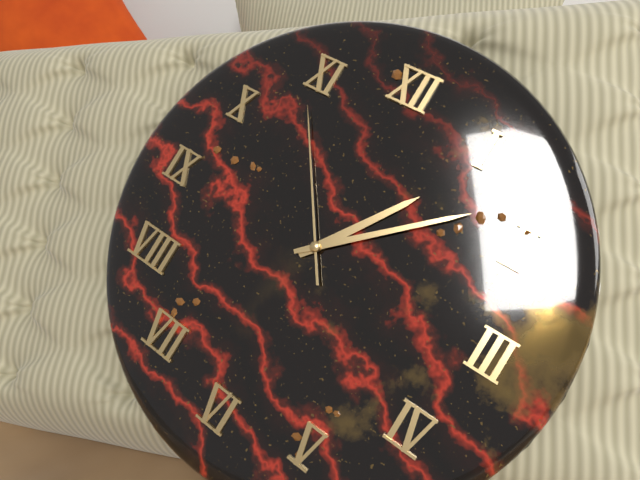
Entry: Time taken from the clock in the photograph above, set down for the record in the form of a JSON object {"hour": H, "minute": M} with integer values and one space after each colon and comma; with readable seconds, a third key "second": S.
{"hour": 1, "minute": 8, "second": 54}
